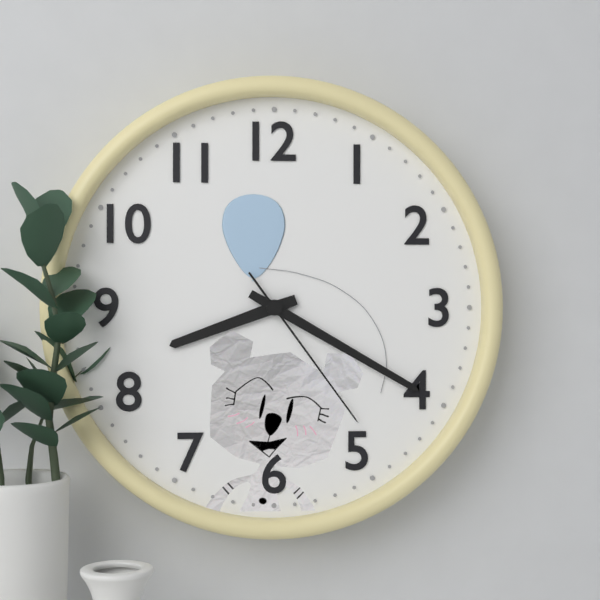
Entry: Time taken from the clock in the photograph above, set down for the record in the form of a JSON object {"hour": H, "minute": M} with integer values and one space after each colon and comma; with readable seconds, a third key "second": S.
{"hour": 8, "minute": 20, "second": 24}
